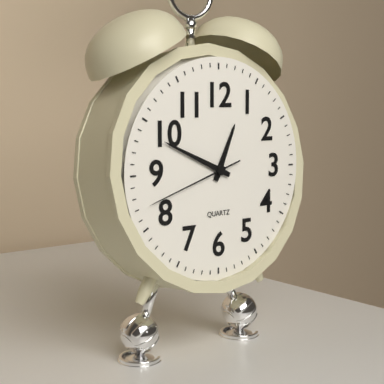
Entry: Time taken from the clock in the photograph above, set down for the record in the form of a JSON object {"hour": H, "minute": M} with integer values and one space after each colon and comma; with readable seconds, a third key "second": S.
{"hour": 12, "minute": 49, "second": 42}
